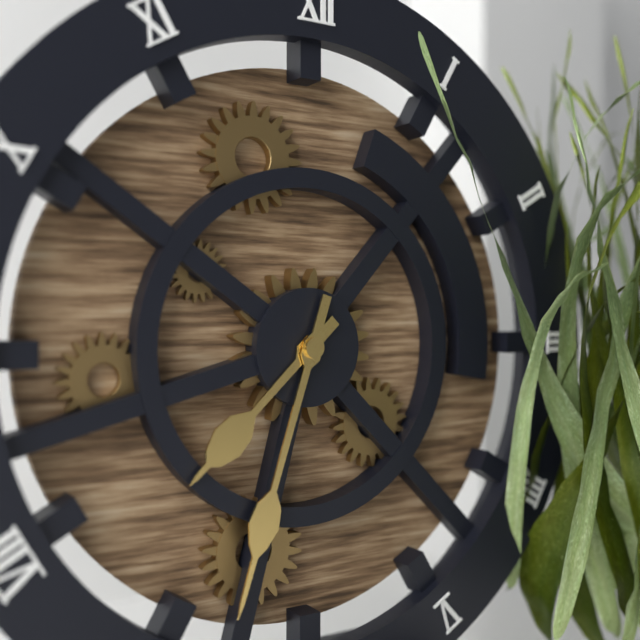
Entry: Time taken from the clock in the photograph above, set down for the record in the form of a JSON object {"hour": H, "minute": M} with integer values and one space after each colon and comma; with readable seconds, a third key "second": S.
{"hour": 7, "minute": 33}
